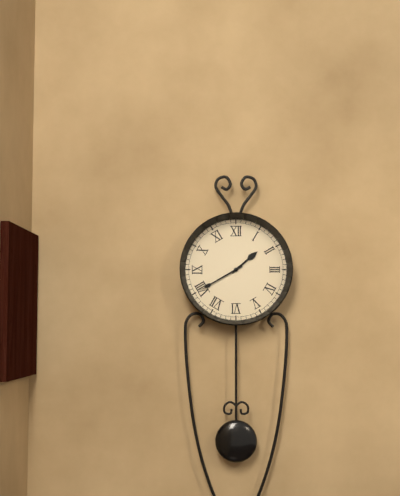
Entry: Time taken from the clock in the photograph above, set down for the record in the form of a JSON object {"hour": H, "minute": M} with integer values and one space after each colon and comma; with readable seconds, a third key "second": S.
{"hour": 1, "minute": 40}
